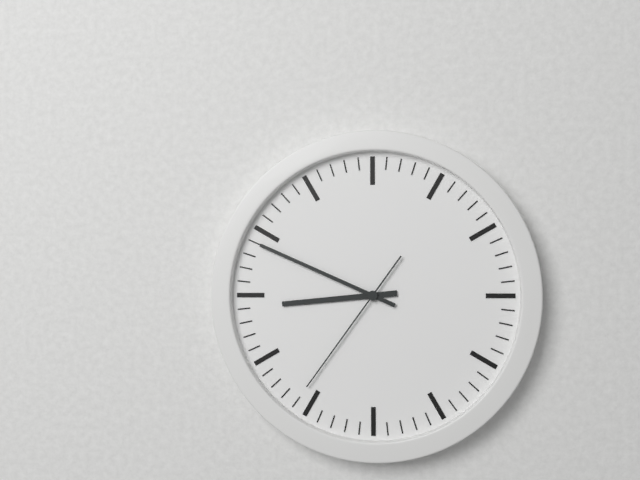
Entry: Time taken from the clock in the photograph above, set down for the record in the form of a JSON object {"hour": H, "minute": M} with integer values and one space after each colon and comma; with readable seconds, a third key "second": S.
{"hour": 8, "minute": 49, "second": 36}
